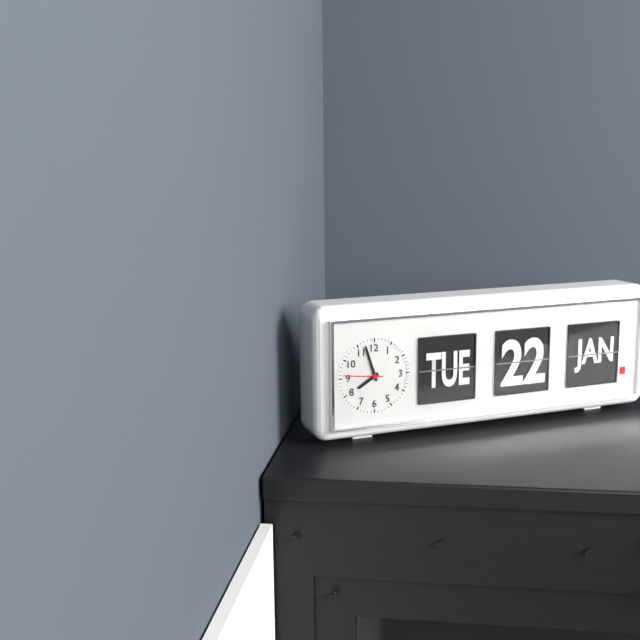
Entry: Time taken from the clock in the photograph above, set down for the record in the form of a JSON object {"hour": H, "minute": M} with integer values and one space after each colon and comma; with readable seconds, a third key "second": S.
{"hour": 7, "minute": 57}
